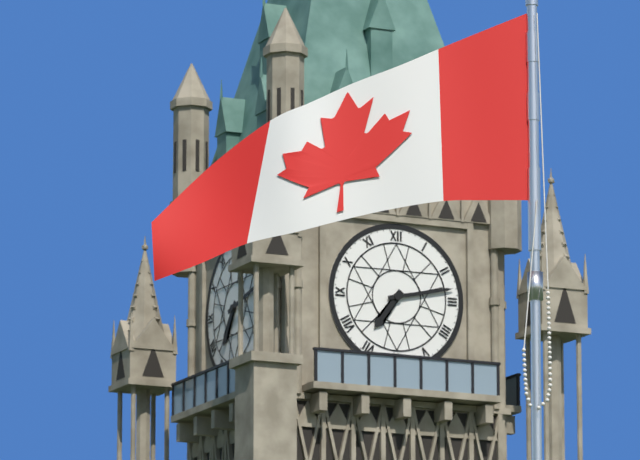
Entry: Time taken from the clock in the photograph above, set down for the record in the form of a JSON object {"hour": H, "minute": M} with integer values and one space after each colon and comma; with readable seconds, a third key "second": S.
{"hour": 7, "minute": 13}
